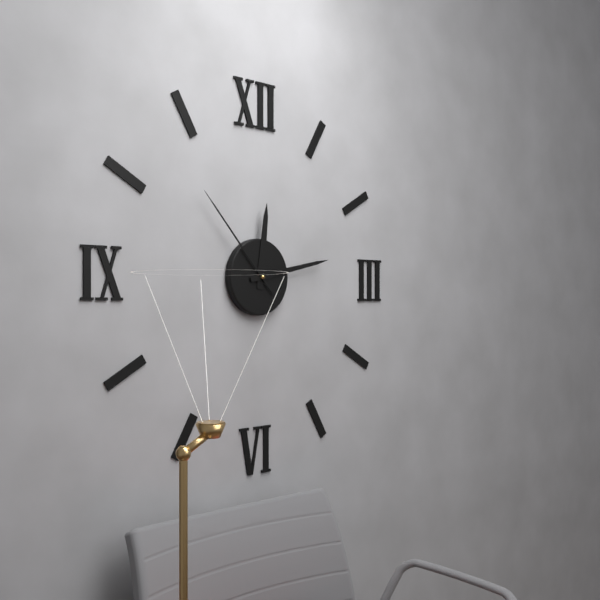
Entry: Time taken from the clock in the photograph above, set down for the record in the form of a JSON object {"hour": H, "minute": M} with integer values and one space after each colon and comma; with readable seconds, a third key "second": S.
{"hour": 12, "minute": 13, "second": 53}
